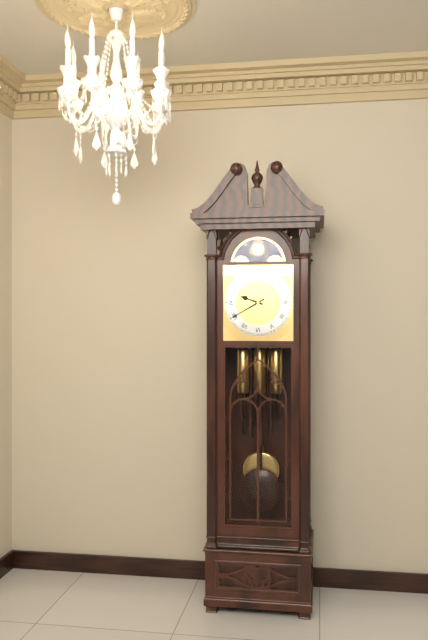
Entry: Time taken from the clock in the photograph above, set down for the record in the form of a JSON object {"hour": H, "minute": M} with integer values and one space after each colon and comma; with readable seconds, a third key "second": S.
{"hour": 9, "minute": 40}
